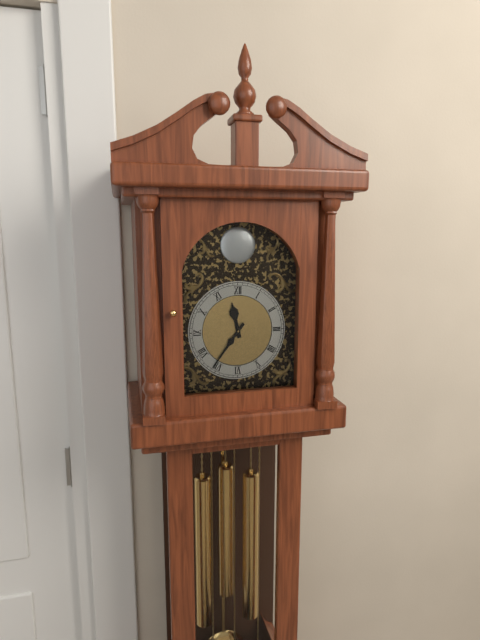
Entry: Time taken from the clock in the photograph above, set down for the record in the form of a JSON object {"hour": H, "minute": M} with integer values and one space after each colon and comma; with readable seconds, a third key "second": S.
{"hour": 11, "minute": 36}
